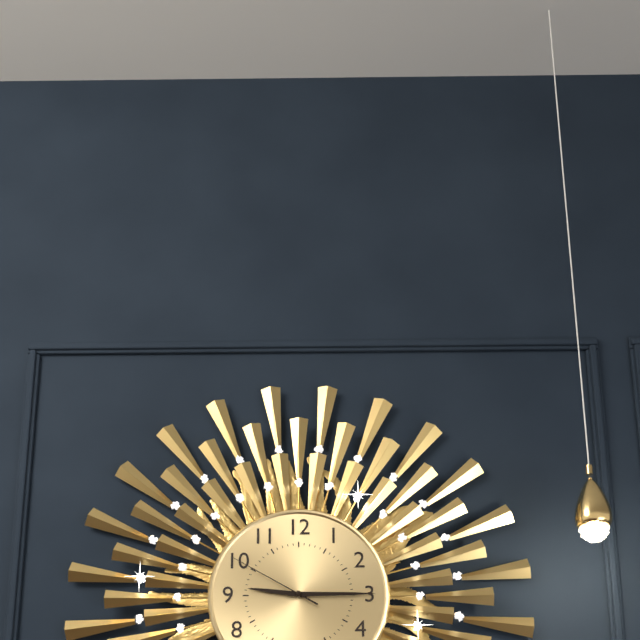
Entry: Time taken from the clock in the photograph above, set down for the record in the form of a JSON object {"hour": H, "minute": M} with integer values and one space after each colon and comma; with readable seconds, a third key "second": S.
{"hour": 9, "minute": 15, "second": 50}
